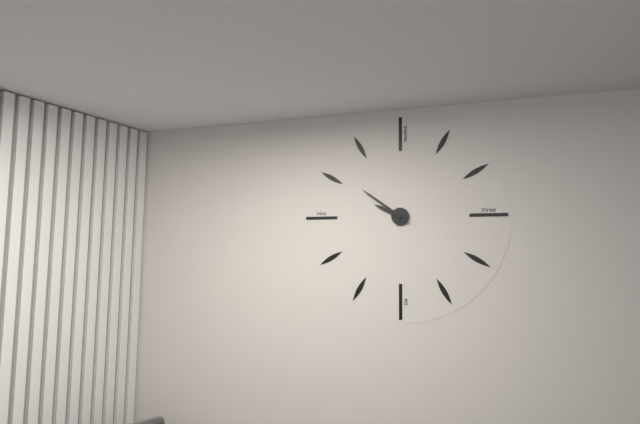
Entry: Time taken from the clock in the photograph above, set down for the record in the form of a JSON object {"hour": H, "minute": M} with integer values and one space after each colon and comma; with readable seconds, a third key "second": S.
{"hour": 9, "minute": 51}
